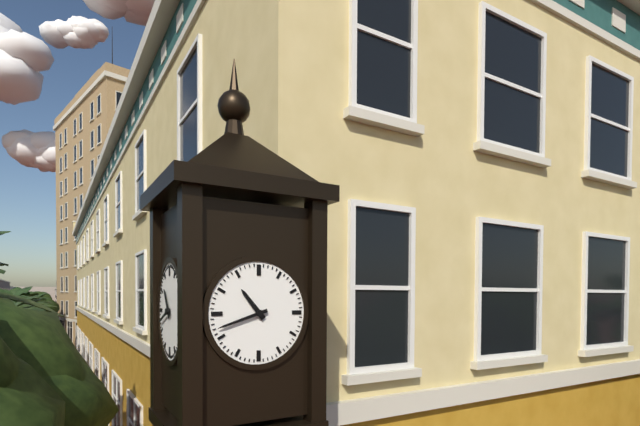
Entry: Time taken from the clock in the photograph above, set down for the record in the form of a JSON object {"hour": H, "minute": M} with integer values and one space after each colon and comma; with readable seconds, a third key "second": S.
{"hour": 10, "minute": 42}
